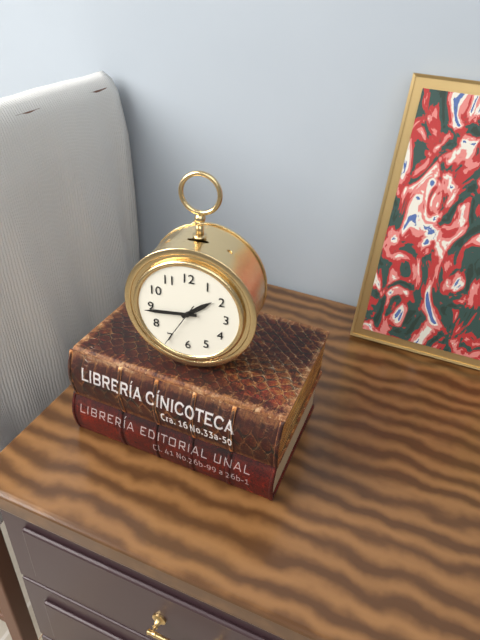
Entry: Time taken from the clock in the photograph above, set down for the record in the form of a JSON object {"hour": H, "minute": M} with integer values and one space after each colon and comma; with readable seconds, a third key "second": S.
{"hour": 1, "minute": 44}
